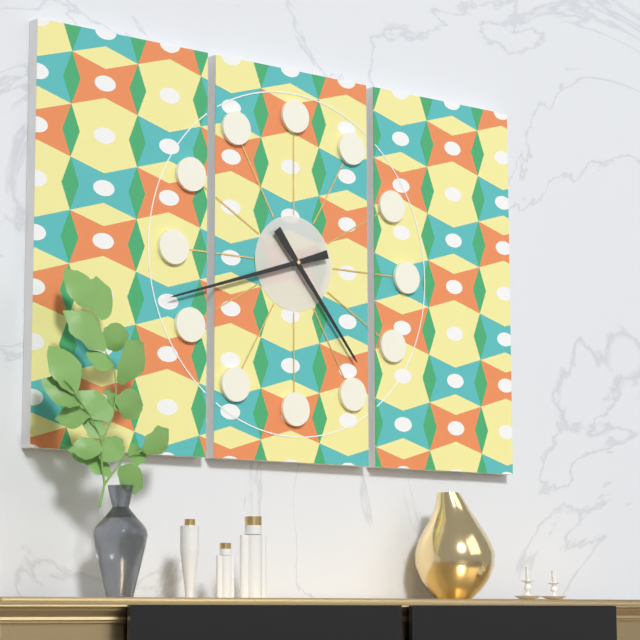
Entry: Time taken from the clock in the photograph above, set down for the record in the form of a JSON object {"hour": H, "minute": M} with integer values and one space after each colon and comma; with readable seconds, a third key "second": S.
{"hour": 4, "minute": 42}
